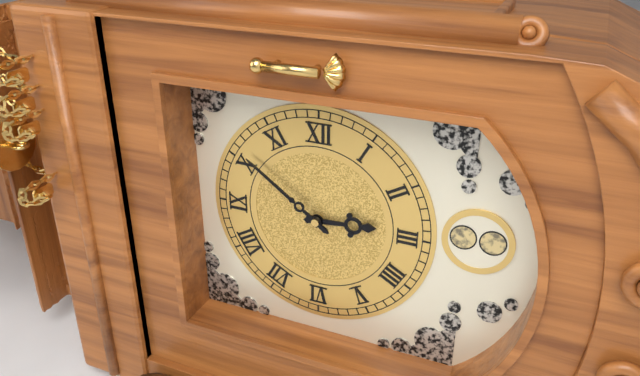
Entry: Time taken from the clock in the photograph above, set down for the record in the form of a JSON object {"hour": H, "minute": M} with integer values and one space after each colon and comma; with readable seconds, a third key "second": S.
{"hour": 2, "minute": 51}
